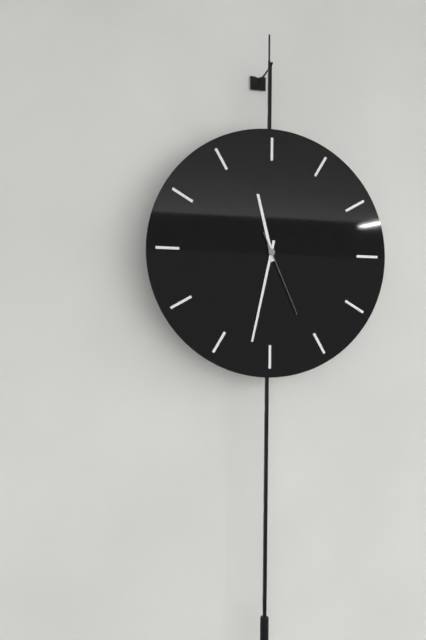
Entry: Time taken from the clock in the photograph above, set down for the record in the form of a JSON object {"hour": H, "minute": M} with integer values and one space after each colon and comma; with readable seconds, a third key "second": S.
{"hour": 11, "minute": 32, "second": 26}
